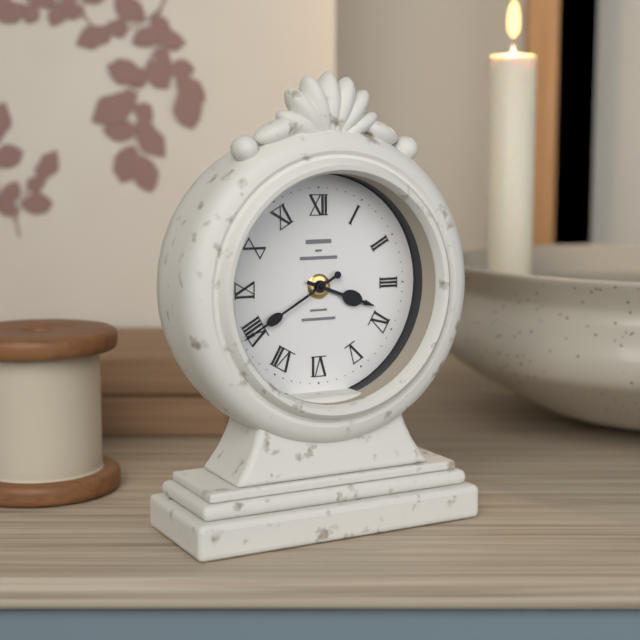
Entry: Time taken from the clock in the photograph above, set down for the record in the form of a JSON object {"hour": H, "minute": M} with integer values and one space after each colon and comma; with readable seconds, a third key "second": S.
{"hour": 3, "minute": 40}
